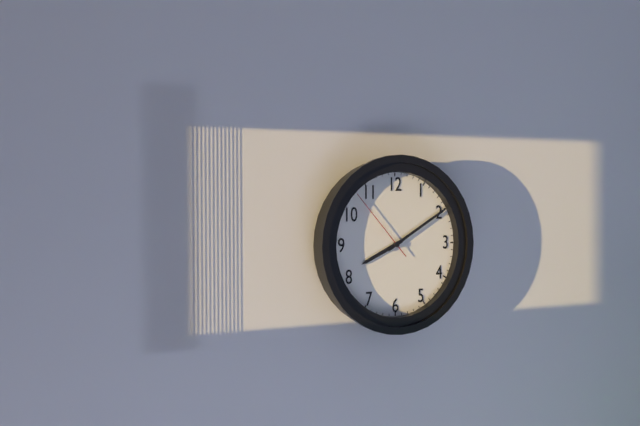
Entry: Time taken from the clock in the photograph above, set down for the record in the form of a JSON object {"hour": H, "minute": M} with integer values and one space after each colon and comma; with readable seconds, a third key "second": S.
{"hour": 8, "minute": 10, "second": 53}
